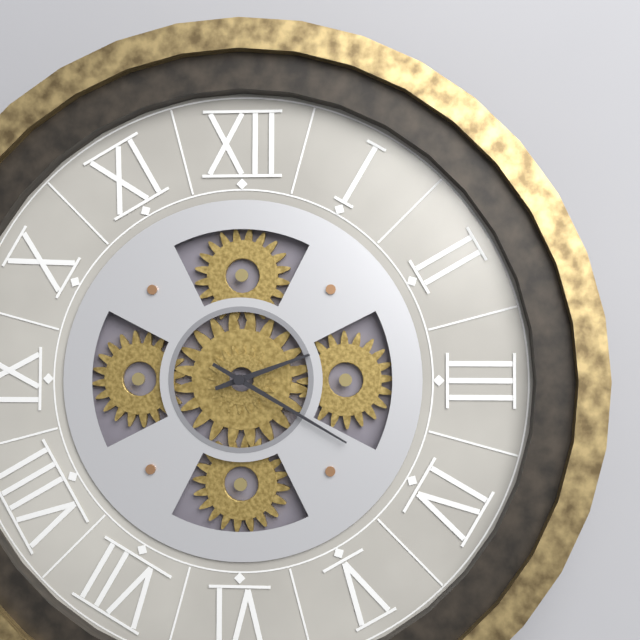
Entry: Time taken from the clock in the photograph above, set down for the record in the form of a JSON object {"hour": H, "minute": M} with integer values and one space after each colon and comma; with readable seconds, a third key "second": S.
{"hour": 2, "minute": 20}
